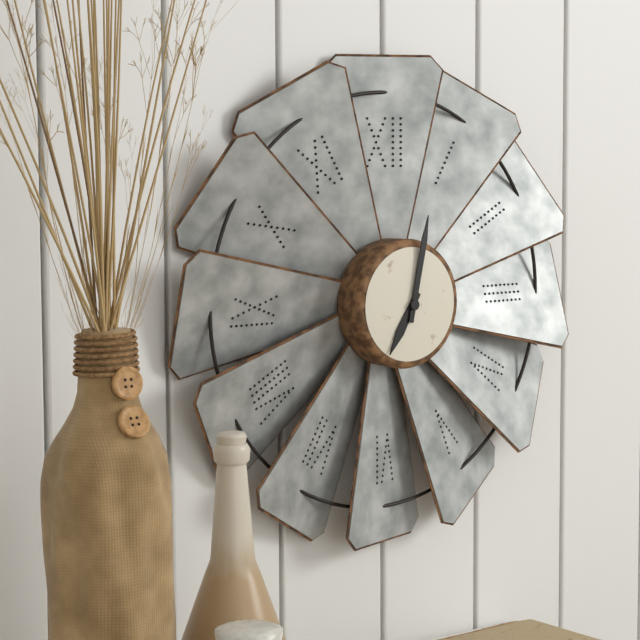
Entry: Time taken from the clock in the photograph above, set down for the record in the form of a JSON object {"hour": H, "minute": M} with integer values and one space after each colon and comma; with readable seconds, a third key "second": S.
{"hour": 7, "minute": 2}
